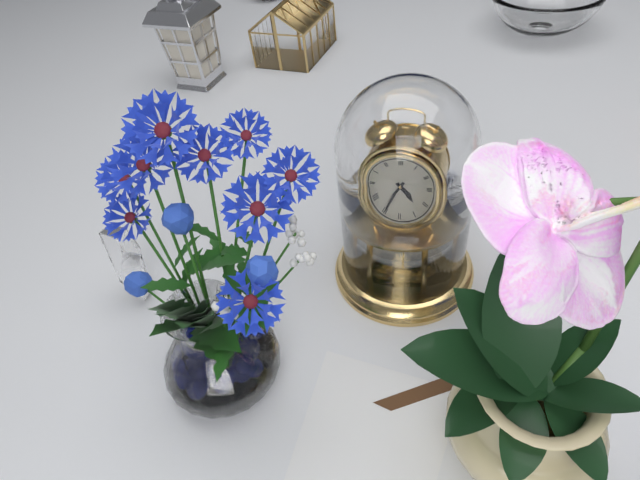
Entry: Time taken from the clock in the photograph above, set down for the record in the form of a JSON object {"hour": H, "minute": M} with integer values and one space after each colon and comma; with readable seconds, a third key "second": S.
{"hour": 4, "minute": 35}
